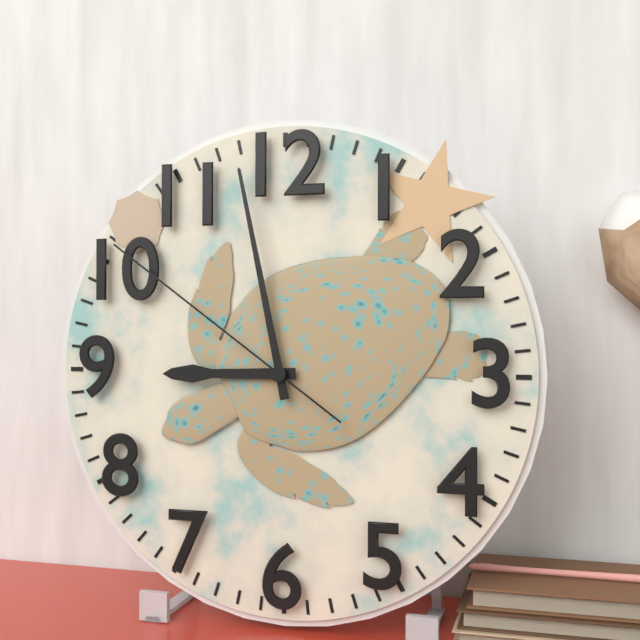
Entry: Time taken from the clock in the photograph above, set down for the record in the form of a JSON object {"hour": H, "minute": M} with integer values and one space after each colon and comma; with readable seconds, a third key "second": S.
{"hour": 8, "minute": 58, "second": 51}
